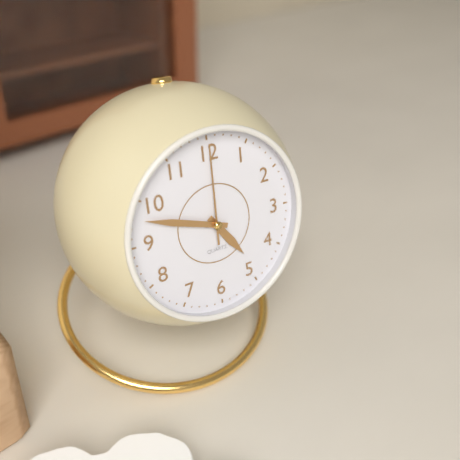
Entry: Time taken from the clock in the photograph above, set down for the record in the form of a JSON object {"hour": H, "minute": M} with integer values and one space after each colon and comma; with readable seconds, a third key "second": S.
{"hour": 4, "minute": 48, "second": 0}
